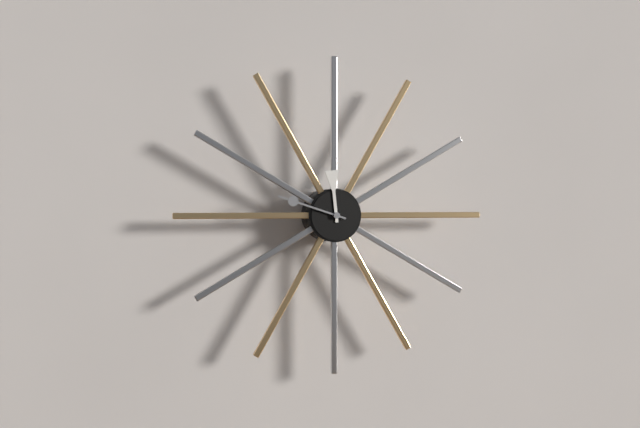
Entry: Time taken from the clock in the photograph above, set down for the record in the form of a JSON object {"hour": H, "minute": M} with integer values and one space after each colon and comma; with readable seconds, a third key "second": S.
{"hour": 11, "minute": 48}
